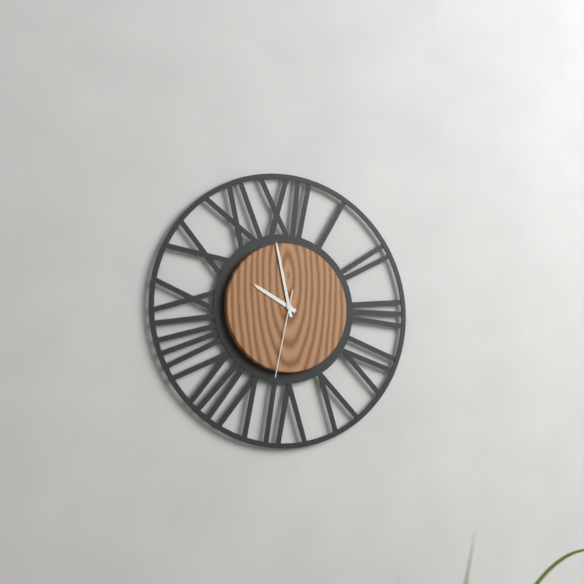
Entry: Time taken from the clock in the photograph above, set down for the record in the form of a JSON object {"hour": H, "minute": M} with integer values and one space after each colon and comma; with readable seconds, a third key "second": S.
{"hour": 9, "minute": 58, "second": 32}
